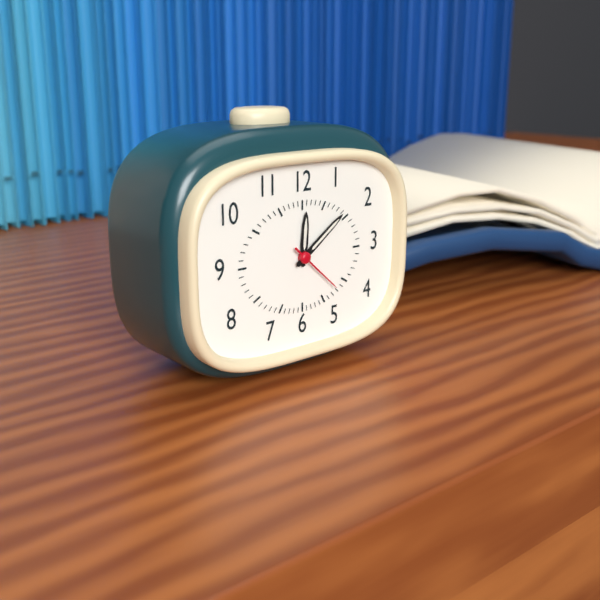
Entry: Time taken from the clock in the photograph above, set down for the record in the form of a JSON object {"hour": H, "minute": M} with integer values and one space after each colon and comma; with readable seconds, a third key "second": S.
{"hour": 12, "minute": 9, "second": 22}
